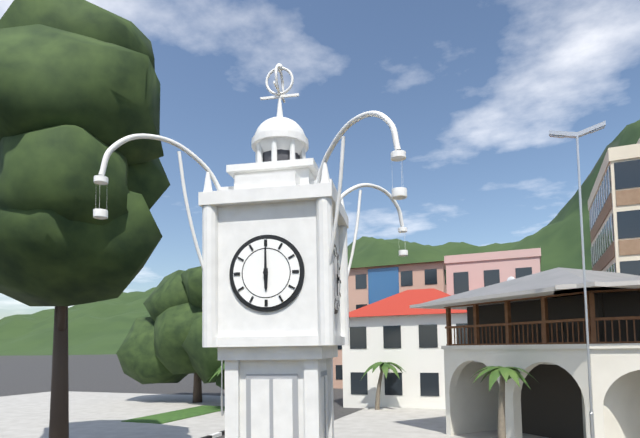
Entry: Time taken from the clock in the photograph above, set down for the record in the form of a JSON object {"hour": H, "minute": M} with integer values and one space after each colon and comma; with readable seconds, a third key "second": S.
{"hour": 6, "minute": 0}
